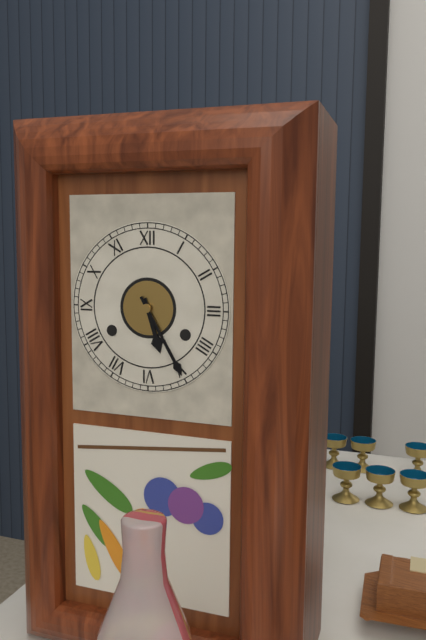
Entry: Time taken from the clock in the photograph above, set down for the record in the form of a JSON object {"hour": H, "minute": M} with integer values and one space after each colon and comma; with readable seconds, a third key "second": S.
{"hour": 5, "minute": 25}
